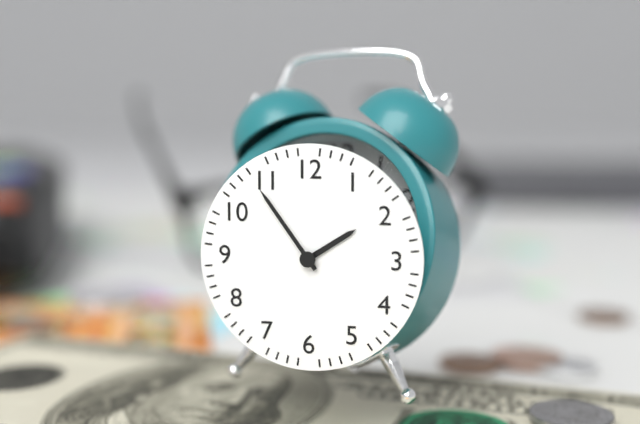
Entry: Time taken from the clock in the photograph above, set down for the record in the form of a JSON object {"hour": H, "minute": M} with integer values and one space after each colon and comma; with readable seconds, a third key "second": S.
{"hour": 1, "minute": 54}
